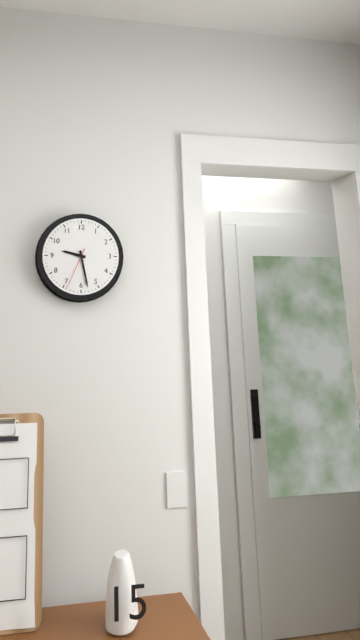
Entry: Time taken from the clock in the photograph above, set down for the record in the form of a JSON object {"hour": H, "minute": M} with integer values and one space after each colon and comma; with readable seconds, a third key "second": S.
{"hour": 9, "minute": 28}
